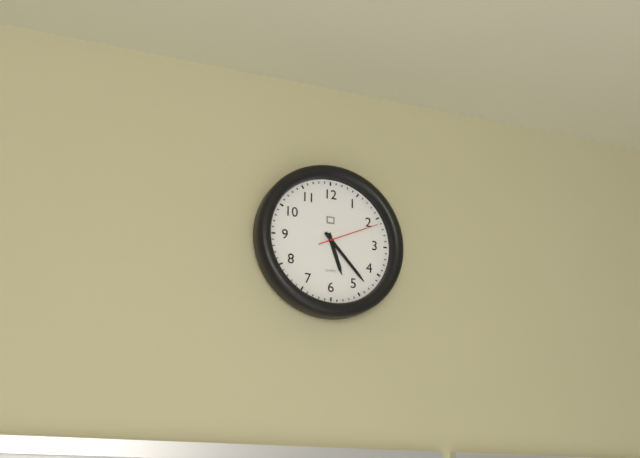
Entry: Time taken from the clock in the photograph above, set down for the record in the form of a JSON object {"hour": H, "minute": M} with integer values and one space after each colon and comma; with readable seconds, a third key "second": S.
{"hour": 5, "minute": 23, "second": 11}
